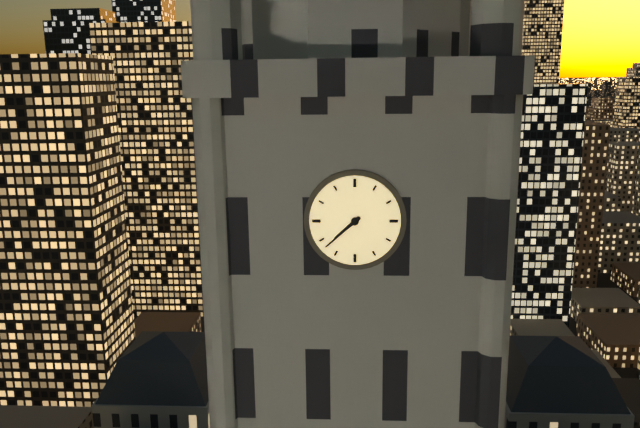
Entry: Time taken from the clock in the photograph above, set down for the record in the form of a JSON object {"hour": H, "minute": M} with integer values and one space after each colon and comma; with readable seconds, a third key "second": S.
{"hour": 7, "minute": 38}
